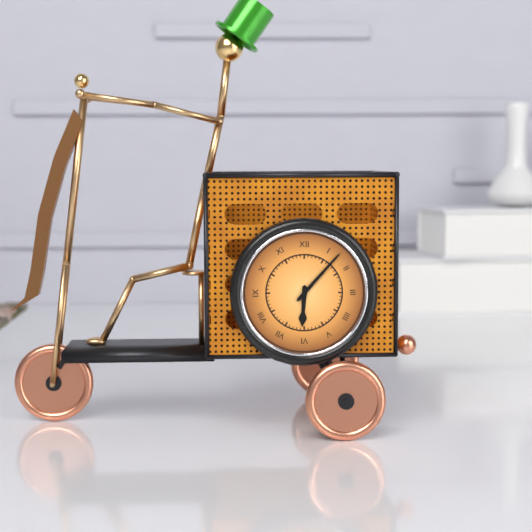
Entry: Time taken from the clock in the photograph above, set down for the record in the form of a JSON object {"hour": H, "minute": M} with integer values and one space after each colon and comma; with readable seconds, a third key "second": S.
{"hour": 6, "minute": 7}
